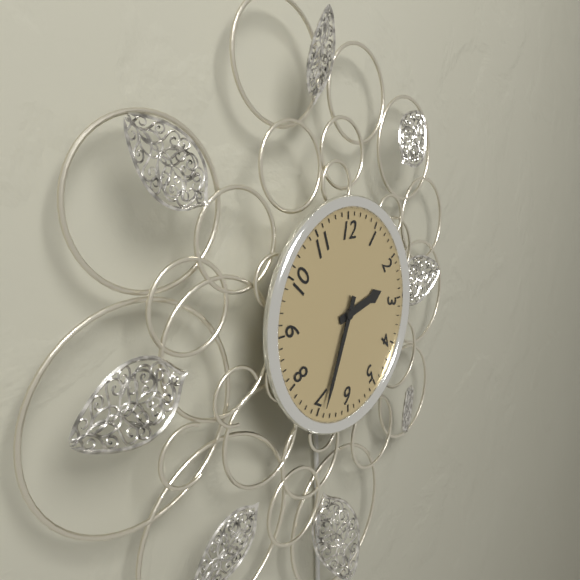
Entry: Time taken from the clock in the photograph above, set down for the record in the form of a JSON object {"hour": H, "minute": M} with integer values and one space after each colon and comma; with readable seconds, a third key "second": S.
{"hour": 2, "minute": 34}
